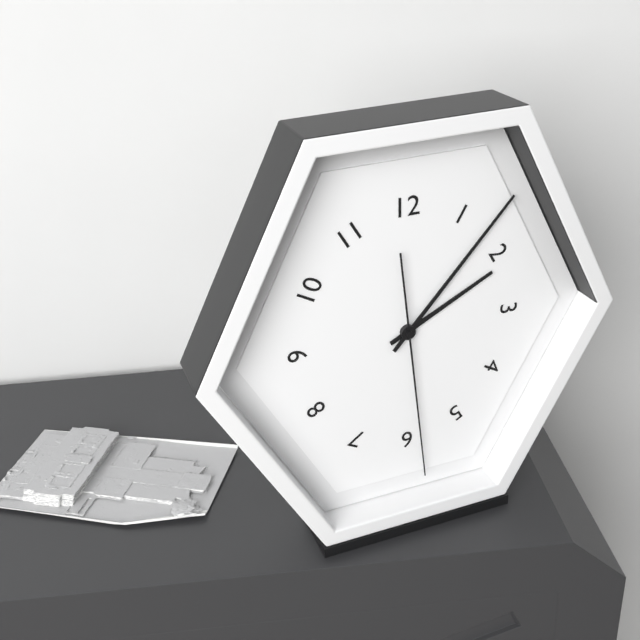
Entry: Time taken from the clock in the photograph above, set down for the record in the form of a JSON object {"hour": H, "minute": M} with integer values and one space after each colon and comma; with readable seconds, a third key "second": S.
{"hour": 2, "minute": 7, "second": 29}
